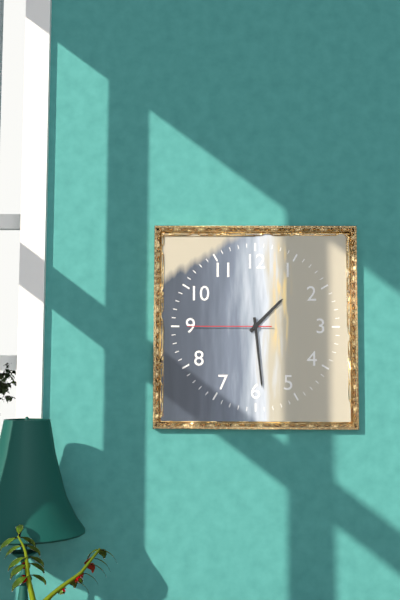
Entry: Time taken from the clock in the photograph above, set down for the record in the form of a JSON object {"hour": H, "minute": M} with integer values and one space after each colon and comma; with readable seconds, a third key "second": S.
{"hour": 1, "minute": 29, "second": 45}
